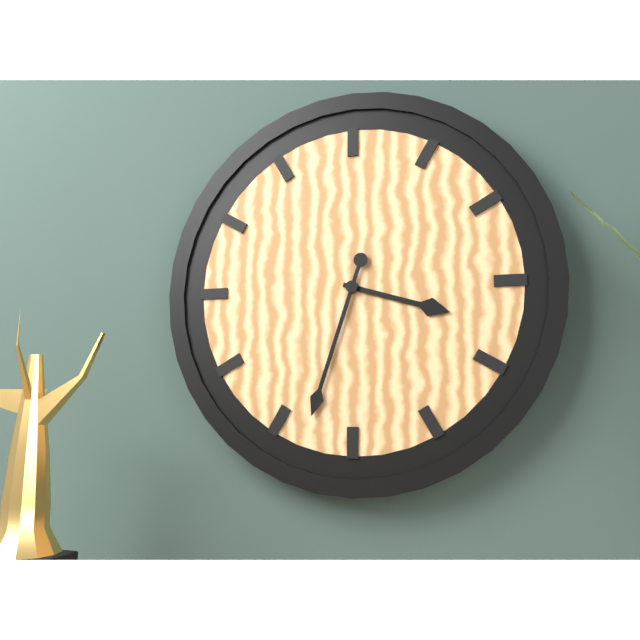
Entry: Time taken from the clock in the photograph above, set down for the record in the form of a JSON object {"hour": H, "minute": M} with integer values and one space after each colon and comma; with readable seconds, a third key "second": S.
{"hour": 3, "minute": 33}
